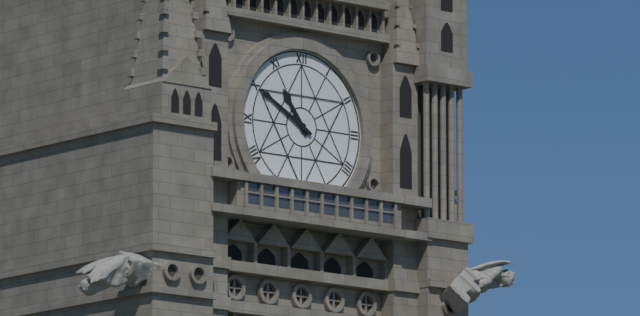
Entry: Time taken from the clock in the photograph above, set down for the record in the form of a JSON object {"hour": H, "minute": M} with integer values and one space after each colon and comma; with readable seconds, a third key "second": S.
{"hour": 10, "minute": 50}
